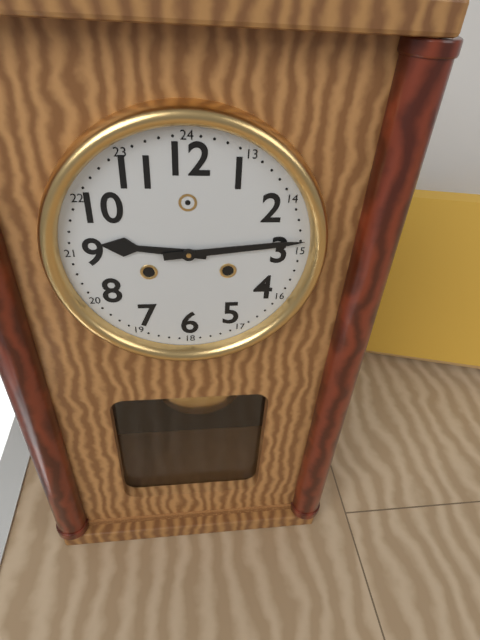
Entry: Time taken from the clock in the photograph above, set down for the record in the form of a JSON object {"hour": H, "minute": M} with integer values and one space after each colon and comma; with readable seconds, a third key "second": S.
{"hour": 9, "minute": 14}
